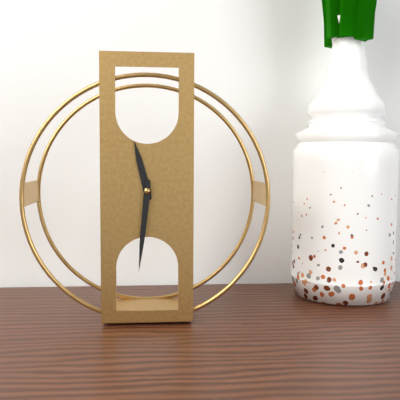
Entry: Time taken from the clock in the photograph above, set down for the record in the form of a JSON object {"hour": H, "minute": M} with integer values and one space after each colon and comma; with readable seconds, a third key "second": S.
{"hour": 11, "minute": 31}
